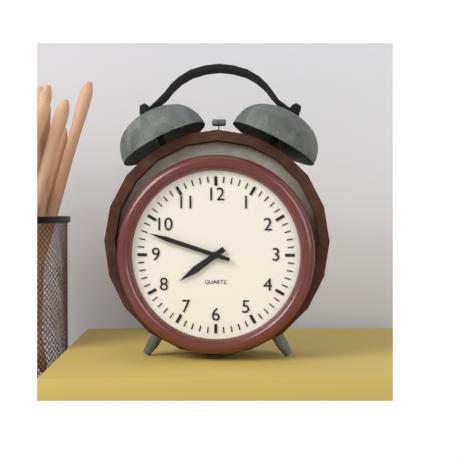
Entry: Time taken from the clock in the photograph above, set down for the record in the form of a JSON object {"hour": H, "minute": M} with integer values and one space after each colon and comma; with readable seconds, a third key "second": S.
{"hour": 7, "minute": 48}
